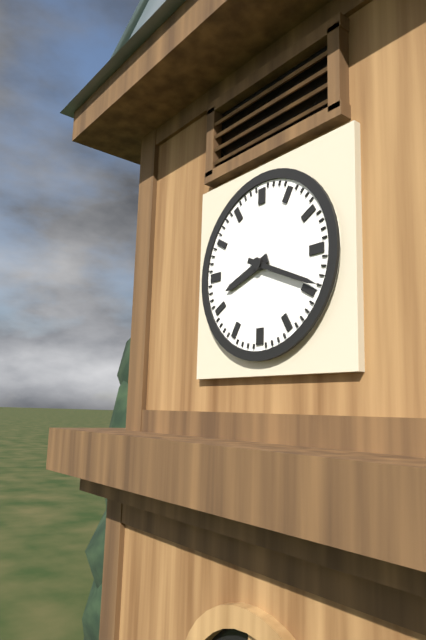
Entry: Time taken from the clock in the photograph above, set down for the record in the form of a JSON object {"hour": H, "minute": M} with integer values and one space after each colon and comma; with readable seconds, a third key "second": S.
{"hour": 8, "minute": 19}
